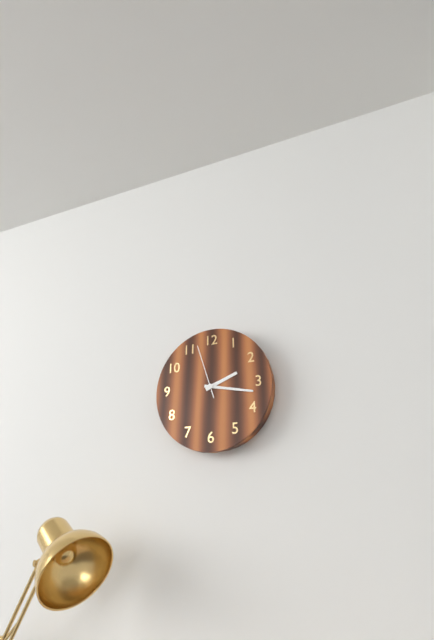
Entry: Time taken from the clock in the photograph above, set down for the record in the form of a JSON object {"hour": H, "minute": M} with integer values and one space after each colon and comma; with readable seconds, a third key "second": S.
{"hour": 2, "minute": 17, "second": 57}
